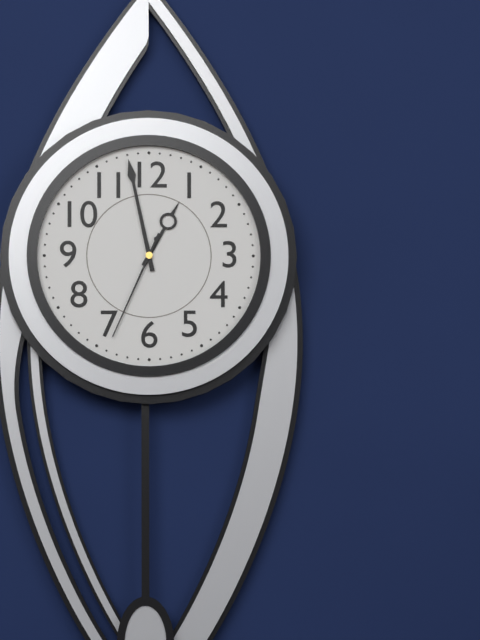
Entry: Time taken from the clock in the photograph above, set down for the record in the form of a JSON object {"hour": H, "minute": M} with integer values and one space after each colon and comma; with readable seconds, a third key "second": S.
{"hour": 12, "minute": 58, "second": 34}
